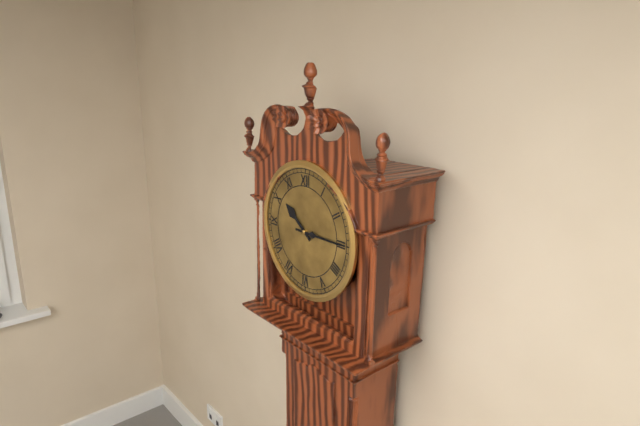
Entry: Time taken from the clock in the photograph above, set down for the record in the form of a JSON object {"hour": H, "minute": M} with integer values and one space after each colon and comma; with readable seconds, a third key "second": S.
{"hour": 10, "minute": 15}
